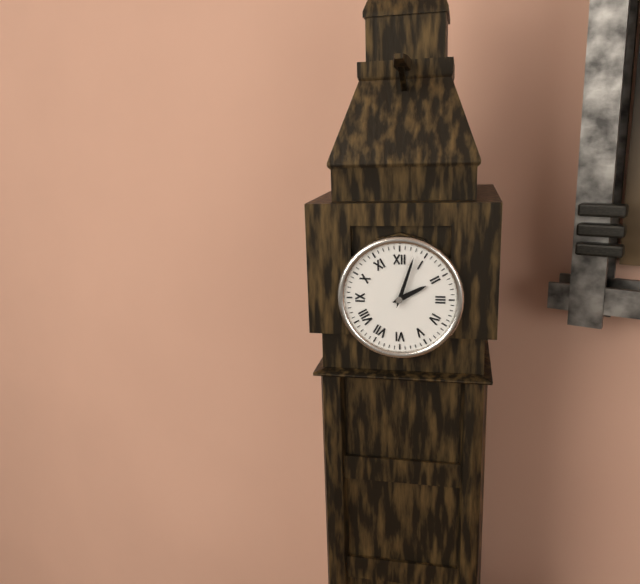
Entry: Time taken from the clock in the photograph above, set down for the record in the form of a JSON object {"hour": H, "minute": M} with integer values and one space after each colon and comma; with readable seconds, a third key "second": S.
{"hour": 2, "minute": 3}
